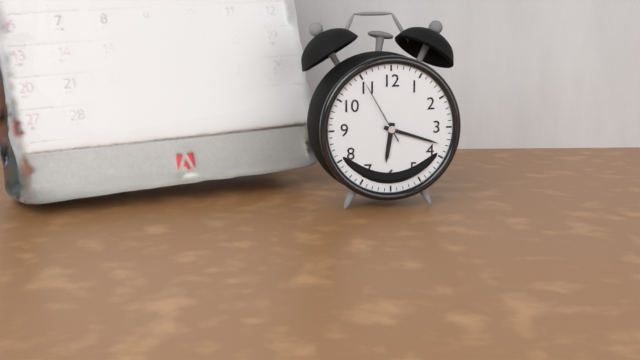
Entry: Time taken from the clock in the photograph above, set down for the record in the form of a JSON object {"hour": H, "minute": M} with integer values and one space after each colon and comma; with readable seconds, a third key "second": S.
{"hour": 6, "minute": 18, "second": 55}
